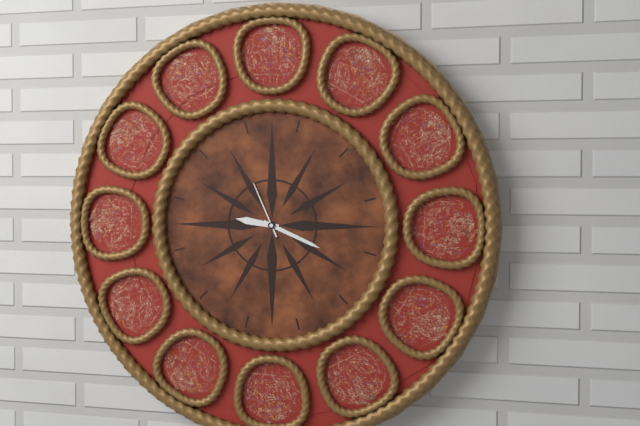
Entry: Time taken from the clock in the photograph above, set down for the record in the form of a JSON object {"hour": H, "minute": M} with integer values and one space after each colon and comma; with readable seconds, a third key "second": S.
{"hour": 9, "minute": 19, "second": 56}
